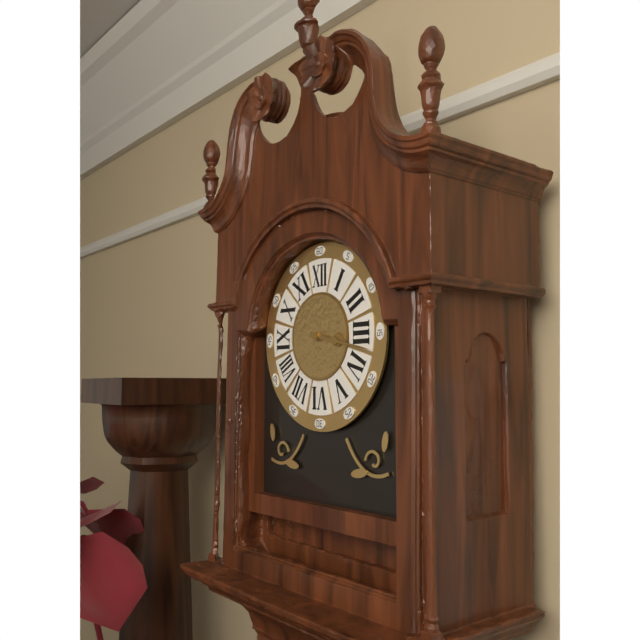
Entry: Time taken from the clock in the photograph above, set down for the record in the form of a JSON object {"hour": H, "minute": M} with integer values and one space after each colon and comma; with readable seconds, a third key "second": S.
{"hour": 3, "minute": 17}
